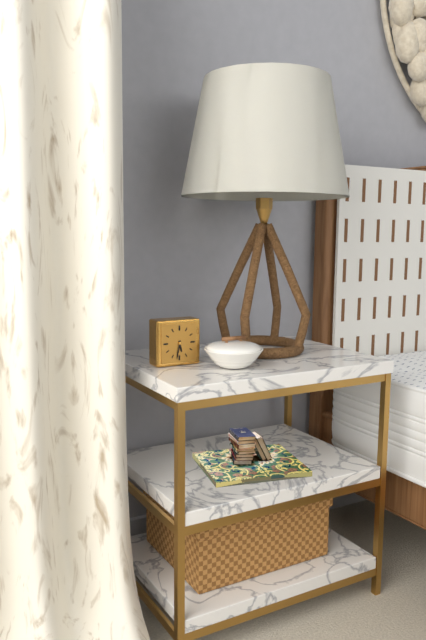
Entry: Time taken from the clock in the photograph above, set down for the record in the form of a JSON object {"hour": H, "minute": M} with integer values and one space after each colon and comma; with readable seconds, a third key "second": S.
{"hour": 5, "minute": 32}
